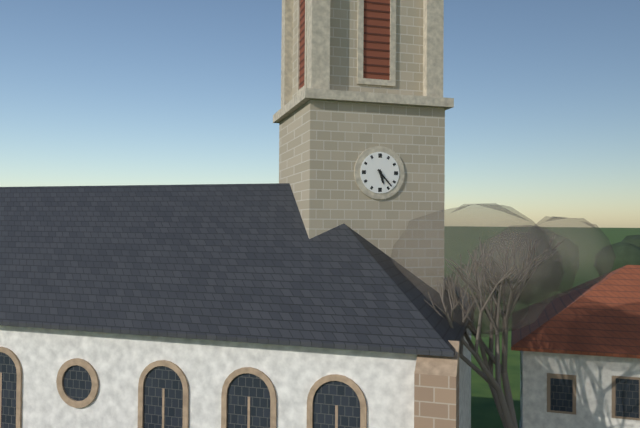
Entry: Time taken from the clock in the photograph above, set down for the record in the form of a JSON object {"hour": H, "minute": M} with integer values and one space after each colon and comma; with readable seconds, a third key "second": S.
{"hour": 5, "minute": 23}
